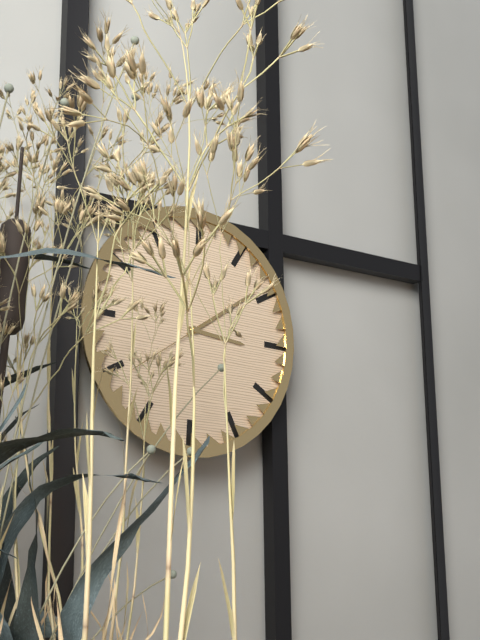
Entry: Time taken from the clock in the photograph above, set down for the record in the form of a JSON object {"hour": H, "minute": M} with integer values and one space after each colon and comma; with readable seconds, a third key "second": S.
{"hour": 3, "minute": 9}
